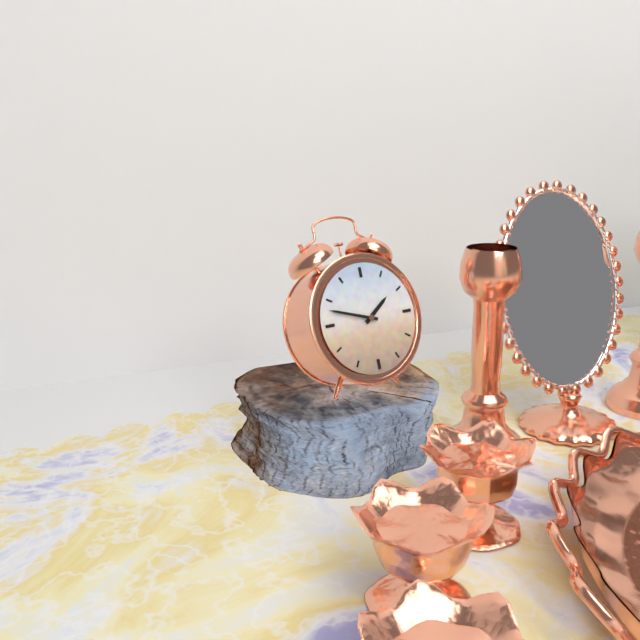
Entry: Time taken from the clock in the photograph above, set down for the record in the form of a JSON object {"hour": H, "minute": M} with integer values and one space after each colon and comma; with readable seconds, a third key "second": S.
{"hour": 1, "minute": 48}
